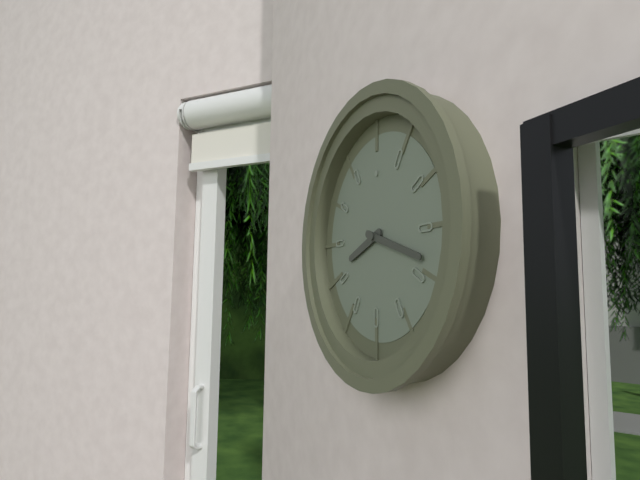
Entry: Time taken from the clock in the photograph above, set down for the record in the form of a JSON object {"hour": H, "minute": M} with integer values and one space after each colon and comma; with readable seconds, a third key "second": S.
{"hour": 8, "minute": 18}
